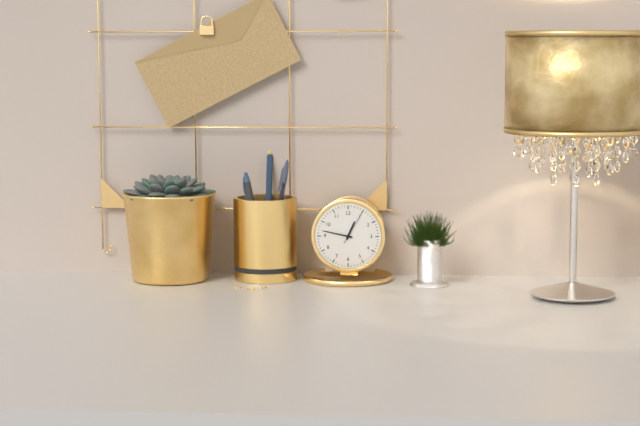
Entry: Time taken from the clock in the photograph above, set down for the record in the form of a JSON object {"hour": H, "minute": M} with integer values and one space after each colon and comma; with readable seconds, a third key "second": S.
{"hour": 12, "minute": 47}
